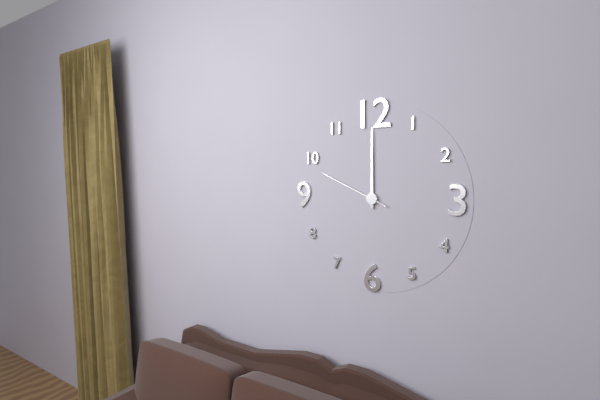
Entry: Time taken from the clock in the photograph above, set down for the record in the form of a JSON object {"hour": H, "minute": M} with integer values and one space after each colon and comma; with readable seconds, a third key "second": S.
{"hour": 12, "minute": 0, "second": 49}
